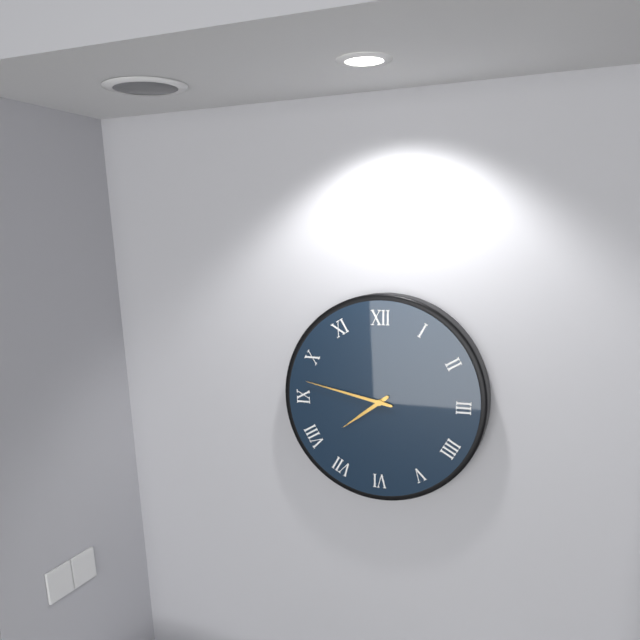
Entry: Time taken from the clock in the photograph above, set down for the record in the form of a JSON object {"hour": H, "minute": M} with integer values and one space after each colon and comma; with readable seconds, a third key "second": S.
{"hour": 7, "minute": 47}
